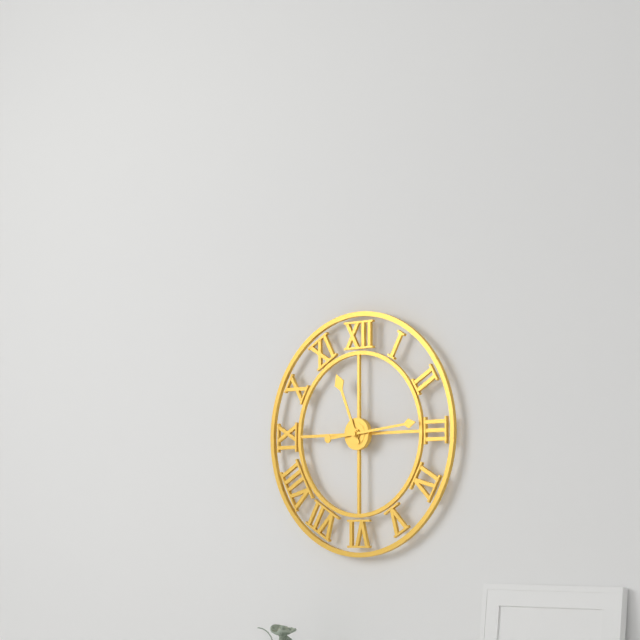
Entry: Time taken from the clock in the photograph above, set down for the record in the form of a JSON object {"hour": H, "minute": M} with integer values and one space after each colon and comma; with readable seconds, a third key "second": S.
{"hour": 11, "minute": 14}
